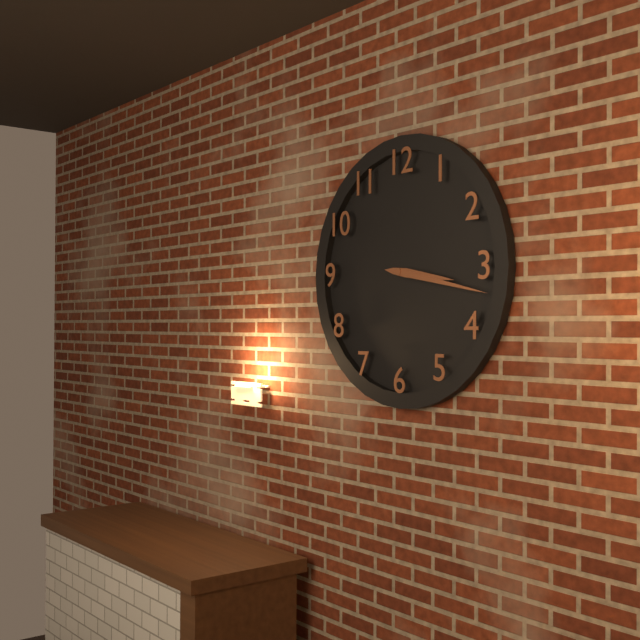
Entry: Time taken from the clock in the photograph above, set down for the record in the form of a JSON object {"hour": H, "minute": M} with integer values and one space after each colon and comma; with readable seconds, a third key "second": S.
{"hour": 3, "minute": 17}
